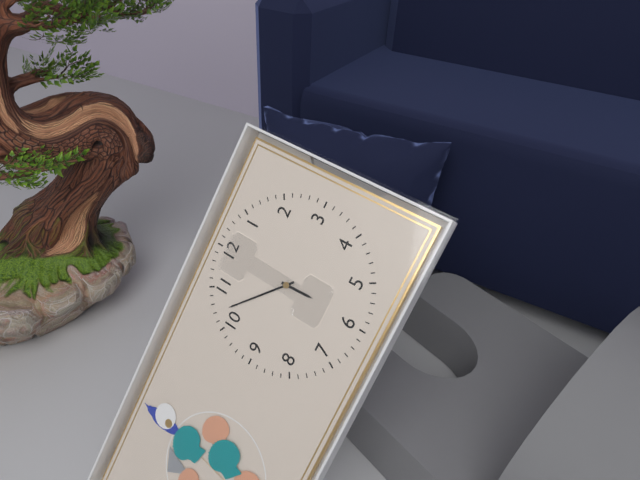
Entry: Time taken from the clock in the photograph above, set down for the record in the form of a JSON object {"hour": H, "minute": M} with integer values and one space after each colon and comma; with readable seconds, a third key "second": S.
{"hour": 5, "minute": 52}
